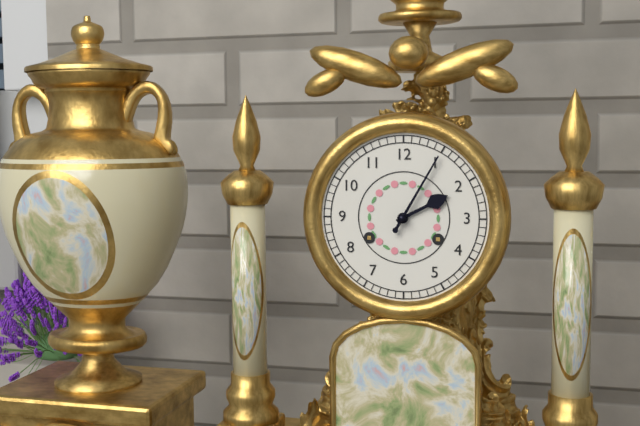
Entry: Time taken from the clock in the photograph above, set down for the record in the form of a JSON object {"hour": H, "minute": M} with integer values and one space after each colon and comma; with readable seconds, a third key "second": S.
{"hour": 2, "minute": 5}
